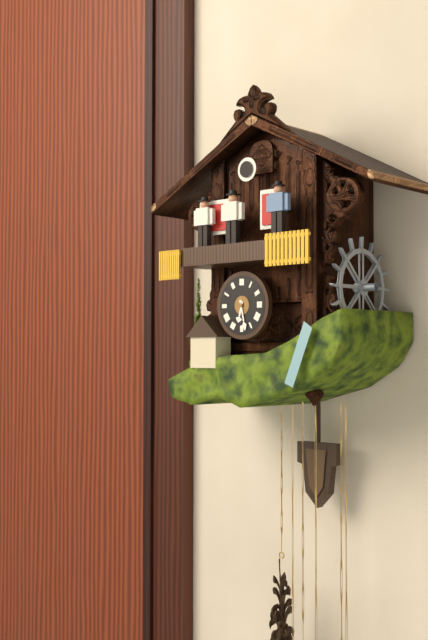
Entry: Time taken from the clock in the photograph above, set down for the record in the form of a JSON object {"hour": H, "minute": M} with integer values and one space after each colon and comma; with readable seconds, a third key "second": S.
{"hour": 6, "minute": 28}
